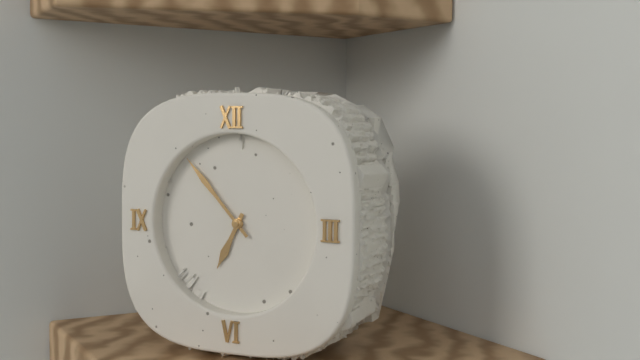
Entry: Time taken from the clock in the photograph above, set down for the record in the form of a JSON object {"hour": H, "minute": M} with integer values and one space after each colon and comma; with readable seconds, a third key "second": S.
{"hour": 6, "minute": 53}
